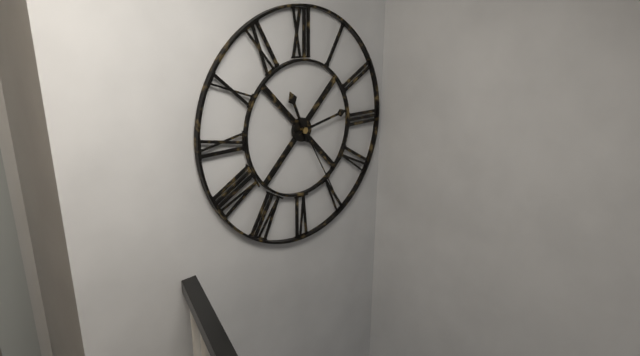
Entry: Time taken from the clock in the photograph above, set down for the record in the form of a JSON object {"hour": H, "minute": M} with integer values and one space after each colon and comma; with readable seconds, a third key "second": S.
{"hour": 11, "minute": 13, "second": 25}
